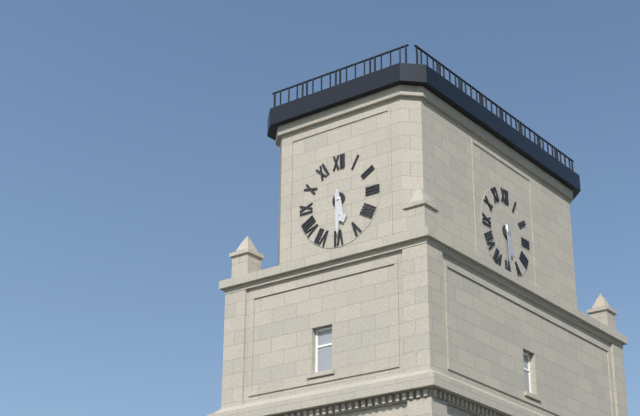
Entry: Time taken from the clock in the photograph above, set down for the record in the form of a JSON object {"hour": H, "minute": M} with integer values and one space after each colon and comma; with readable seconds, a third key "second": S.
{"hour": 5, "minute": 30}
